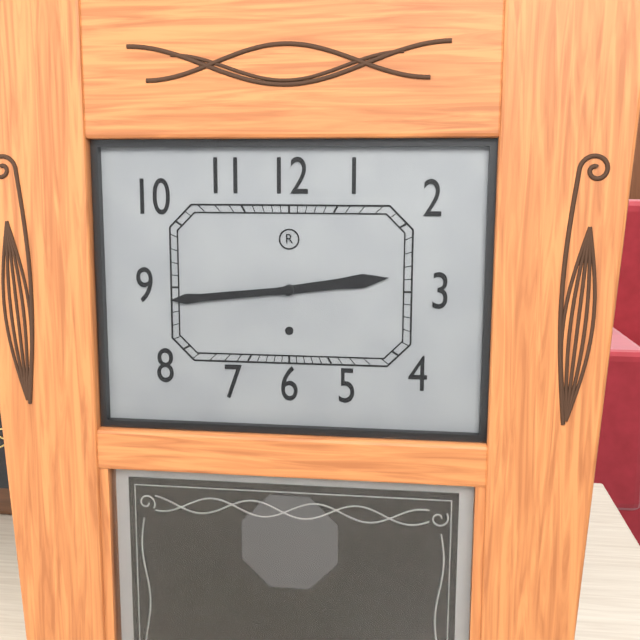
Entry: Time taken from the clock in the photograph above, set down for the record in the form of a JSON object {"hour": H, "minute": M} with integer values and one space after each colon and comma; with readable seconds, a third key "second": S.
{"hour": 2, "minute": 44}
